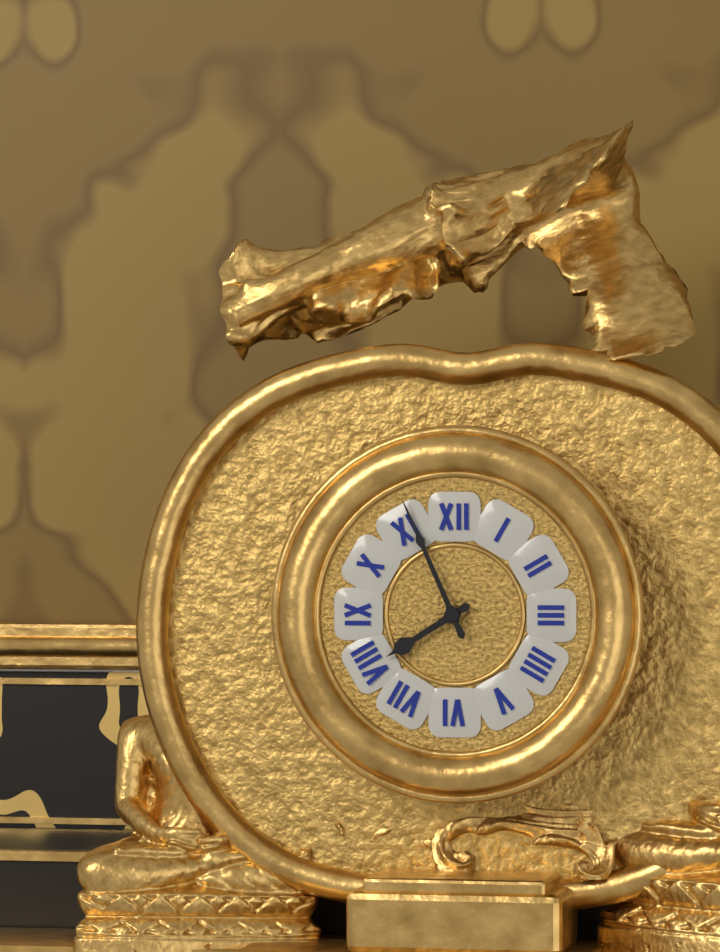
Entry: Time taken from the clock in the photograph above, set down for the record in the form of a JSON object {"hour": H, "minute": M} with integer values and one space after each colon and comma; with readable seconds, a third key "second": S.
{"hour": 7, "minute": 56}
